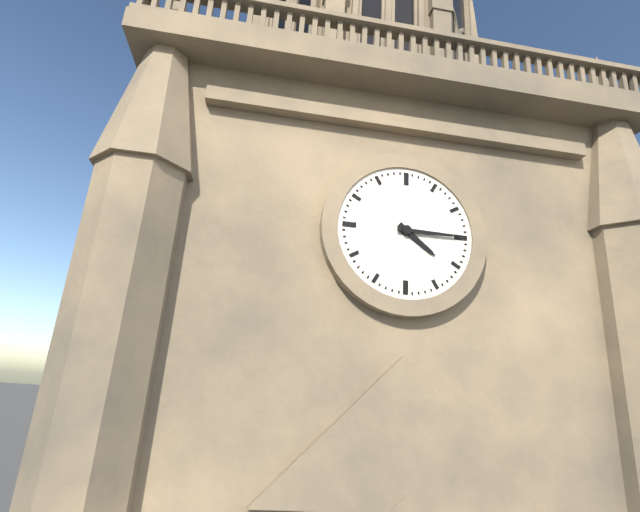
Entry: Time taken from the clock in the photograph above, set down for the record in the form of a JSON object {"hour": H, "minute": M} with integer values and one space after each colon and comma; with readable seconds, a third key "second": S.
{"hour": 4, "minute": 15}
